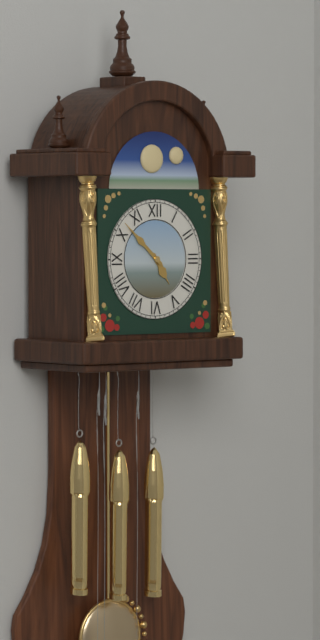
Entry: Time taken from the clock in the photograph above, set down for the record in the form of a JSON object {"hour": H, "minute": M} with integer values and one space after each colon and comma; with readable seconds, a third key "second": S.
{"hour": 4, "minute": 52}
